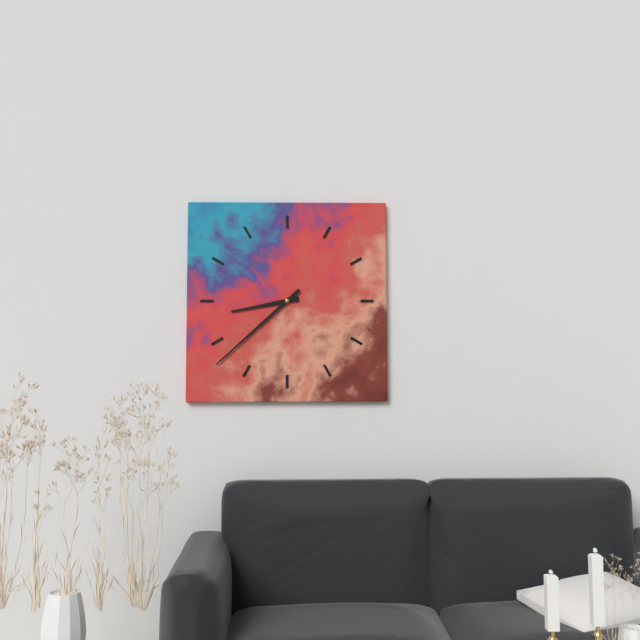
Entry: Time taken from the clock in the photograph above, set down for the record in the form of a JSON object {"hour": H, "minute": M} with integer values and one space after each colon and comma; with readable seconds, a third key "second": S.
{"hour": 8, "minute": 38}
